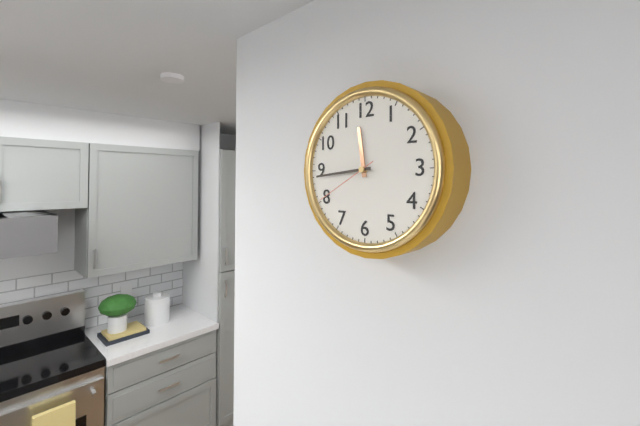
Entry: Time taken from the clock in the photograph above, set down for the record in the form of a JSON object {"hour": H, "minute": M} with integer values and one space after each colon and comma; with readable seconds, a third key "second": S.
{"hour": 11, "minute": 44, "second": 40}
